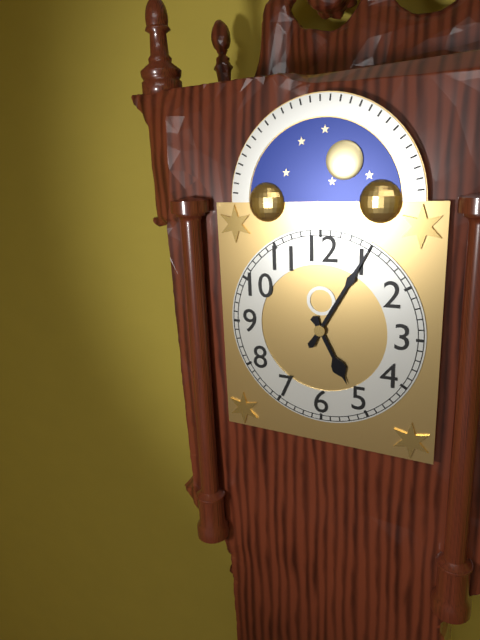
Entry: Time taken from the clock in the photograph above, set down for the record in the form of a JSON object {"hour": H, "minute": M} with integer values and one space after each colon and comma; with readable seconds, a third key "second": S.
{"hour": 5, "minute": 5}
